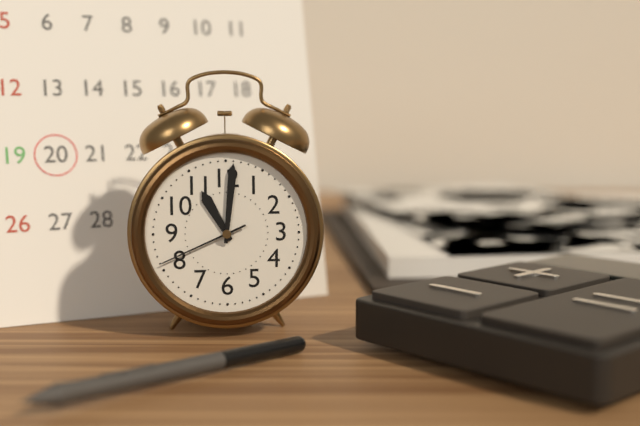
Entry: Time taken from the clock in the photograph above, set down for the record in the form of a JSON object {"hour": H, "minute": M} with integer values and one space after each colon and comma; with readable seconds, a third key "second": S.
{"hour": 11, "minute": 1, "second": 41}
